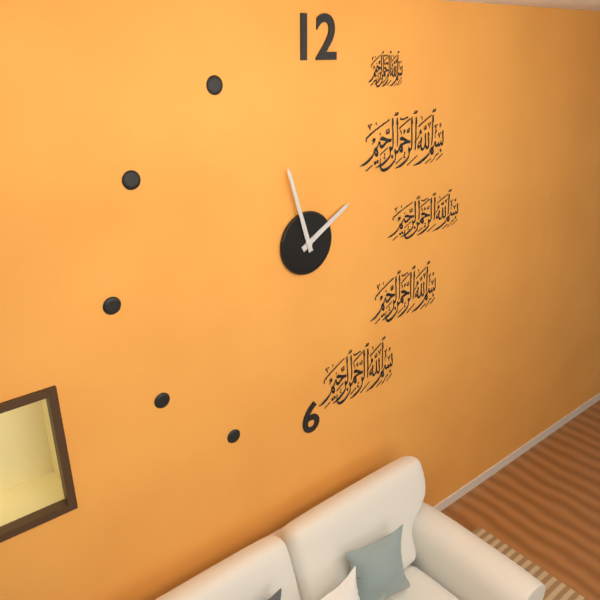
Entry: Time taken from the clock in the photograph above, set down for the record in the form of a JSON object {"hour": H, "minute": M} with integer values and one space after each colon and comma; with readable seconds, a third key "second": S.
{"hour": 1, "minute": 57}
